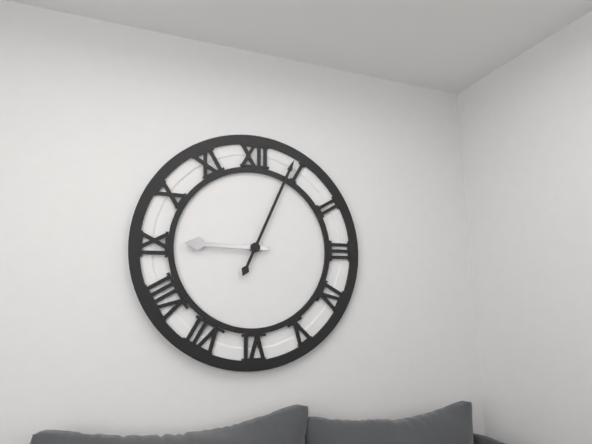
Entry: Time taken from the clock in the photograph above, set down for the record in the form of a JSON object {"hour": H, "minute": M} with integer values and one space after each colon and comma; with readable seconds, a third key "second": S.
{"hour": 9, "minute": 4}
